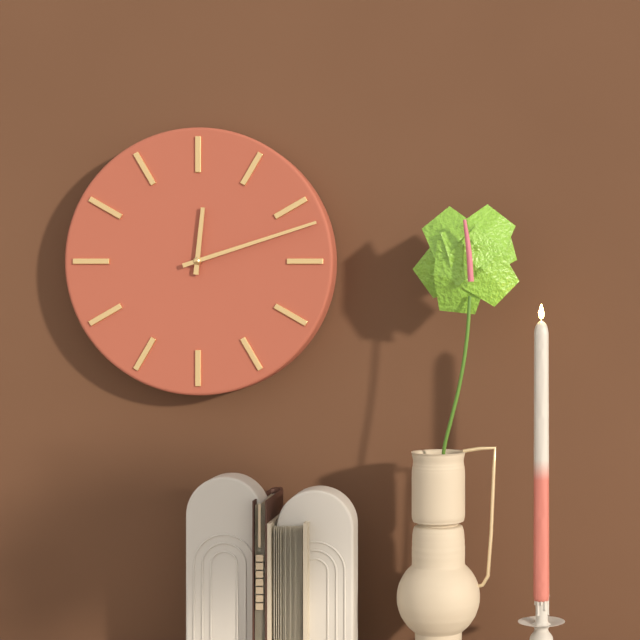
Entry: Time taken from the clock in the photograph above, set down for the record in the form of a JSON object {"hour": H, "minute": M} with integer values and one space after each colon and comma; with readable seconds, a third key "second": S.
{"hour": 12, "minute": 12}
